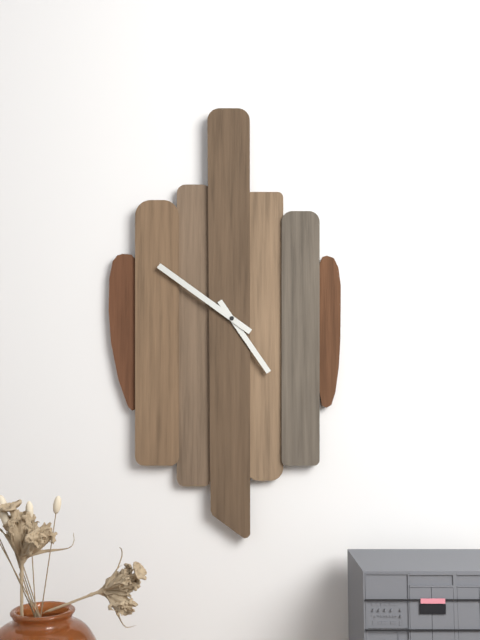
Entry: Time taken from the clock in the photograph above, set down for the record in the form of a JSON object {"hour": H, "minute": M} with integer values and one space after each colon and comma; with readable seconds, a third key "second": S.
{"hour": 4, "minute": 51}
